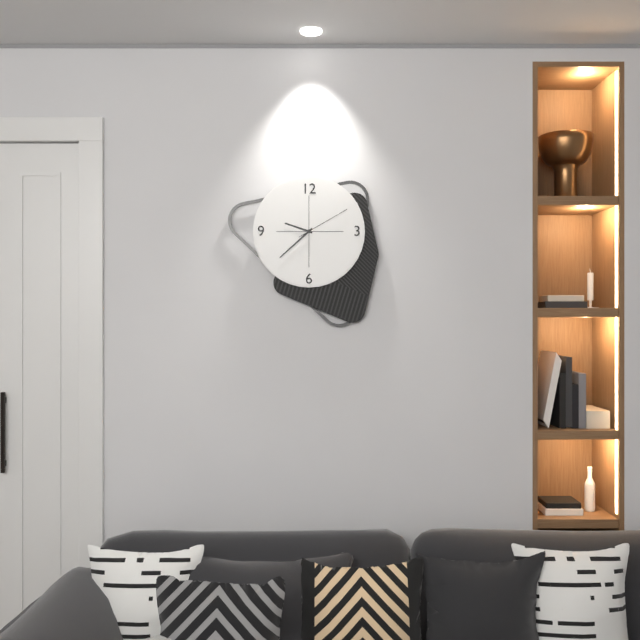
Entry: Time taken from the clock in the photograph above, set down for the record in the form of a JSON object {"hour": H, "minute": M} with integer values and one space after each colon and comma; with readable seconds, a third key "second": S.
{"hour": 9, "minute": 38, "second": 10}
